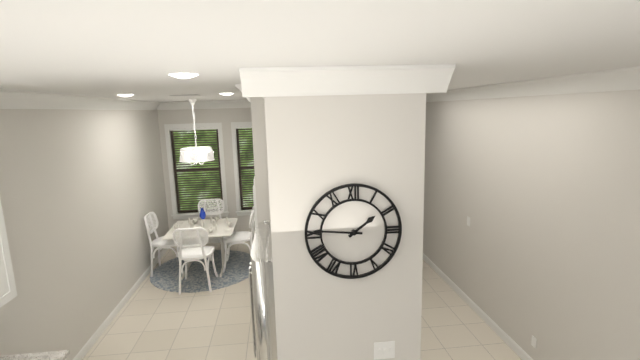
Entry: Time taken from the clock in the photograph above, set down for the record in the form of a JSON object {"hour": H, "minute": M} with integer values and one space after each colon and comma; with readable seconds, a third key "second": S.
{"hour": 1, "minute": 46}
